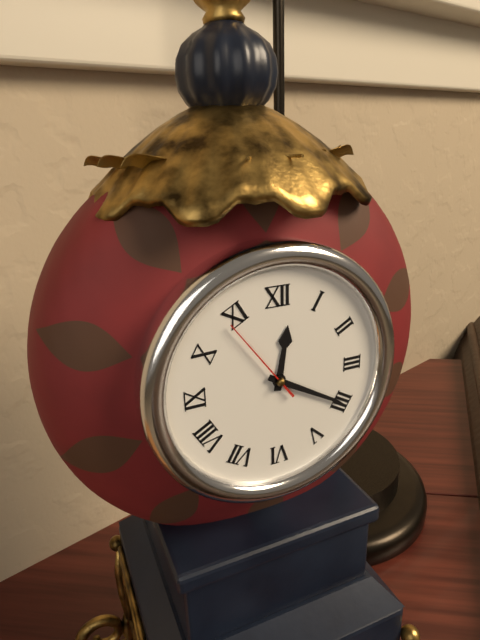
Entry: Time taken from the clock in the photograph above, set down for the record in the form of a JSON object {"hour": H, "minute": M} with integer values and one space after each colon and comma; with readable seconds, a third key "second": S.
{"hour": 12, "minute": 20, "second": 54}
